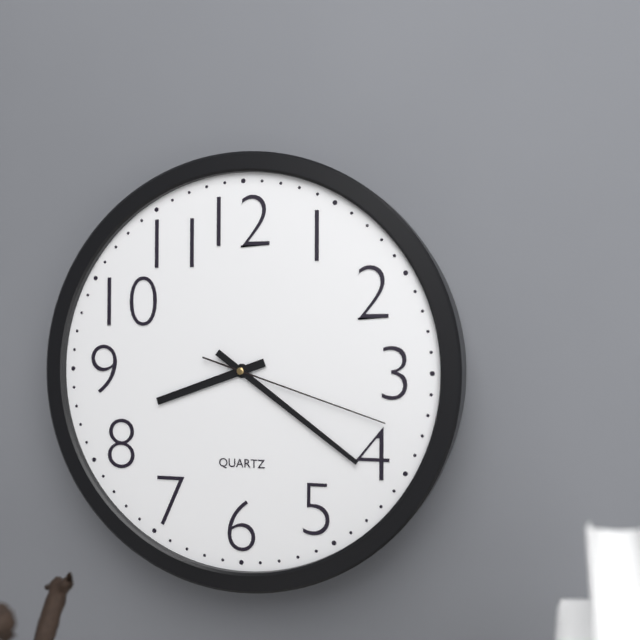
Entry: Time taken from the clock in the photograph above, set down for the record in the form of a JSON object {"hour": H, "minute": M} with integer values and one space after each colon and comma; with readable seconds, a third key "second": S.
{"hour": 8, "minute": 21, "second": 18}
